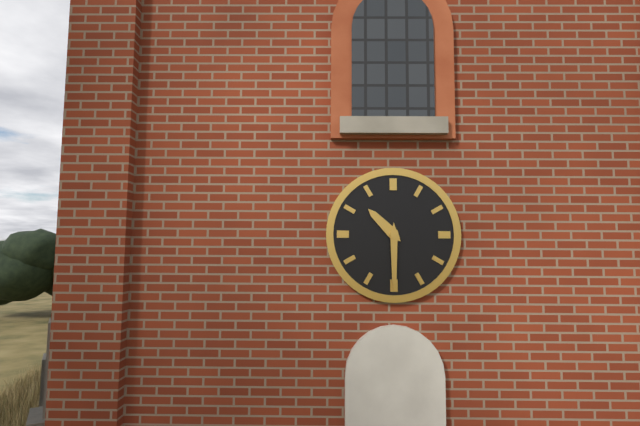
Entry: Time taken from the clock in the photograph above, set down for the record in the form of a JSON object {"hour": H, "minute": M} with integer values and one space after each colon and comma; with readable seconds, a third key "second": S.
{"hour": 10, "minute": 30}
